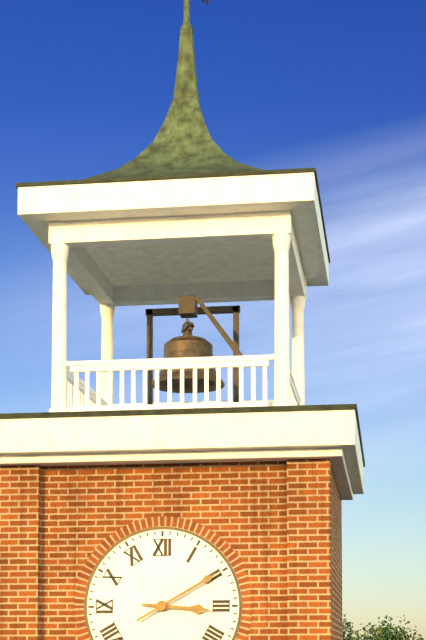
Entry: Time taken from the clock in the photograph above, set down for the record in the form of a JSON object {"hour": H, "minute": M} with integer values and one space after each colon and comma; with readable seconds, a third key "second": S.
{"hour": 3, "minute": 10}
